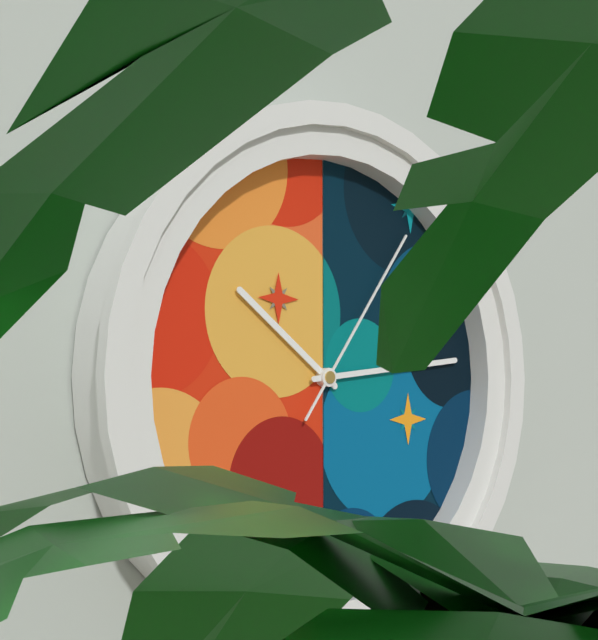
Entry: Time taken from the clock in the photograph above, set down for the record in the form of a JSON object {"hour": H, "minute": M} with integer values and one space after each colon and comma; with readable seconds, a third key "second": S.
{"hour": 10, "minute": 14, "second": 6}
